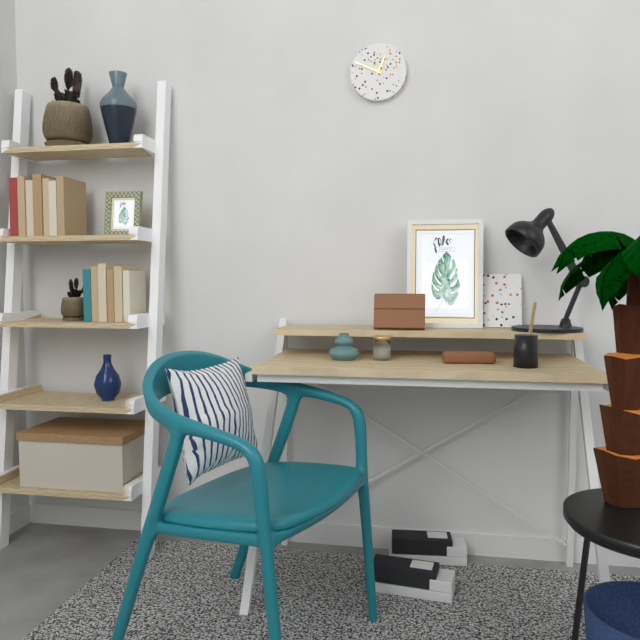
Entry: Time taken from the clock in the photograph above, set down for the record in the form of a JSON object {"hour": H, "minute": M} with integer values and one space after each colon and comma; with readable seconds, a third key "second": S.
{"hour": 12, "minute": 49}
